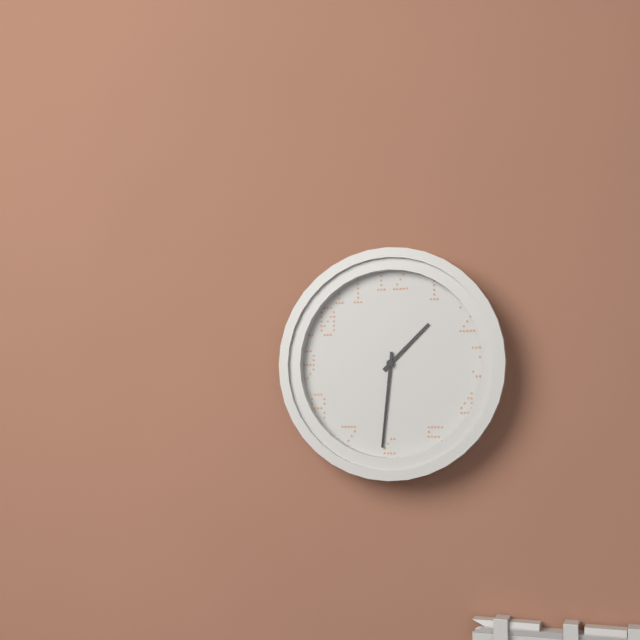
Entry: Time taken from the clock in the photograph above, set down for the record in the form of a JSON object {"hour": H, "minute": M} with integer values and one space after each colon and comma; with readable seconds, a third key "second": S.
{"hour": 1, "minute": 31}
